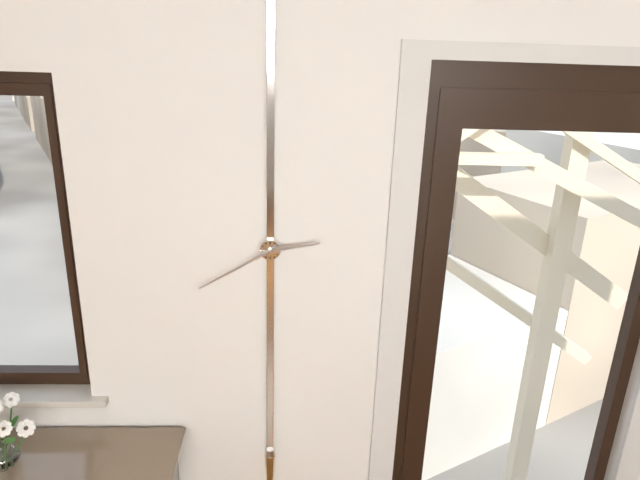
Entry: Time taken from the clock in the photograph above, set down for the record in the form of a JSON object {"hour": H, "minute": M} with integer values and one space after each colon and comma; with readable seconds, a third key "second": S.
{"hour": 2, "minute": 40}
